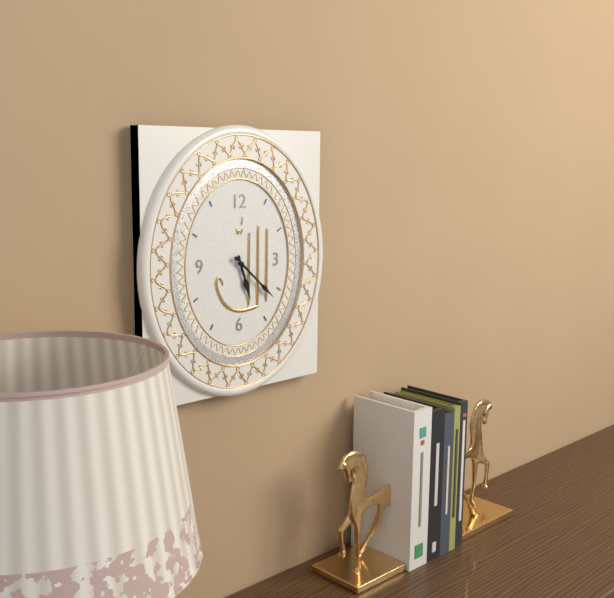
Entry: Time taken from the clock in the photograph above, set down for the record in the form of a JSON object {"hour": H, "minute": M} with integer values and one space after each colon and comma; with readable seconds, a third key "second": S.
{"hour": 5, "minute": 22}
